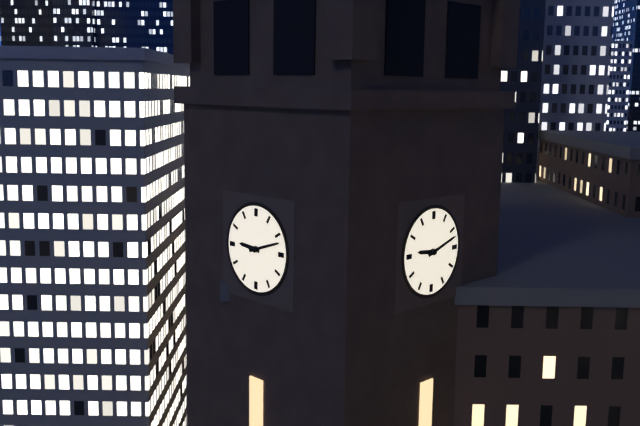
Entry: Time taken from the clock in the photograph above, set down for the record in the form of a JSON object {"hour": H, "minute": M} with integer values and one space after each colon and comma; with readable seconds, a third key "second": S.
{"hour": 9, "minute": 12}
